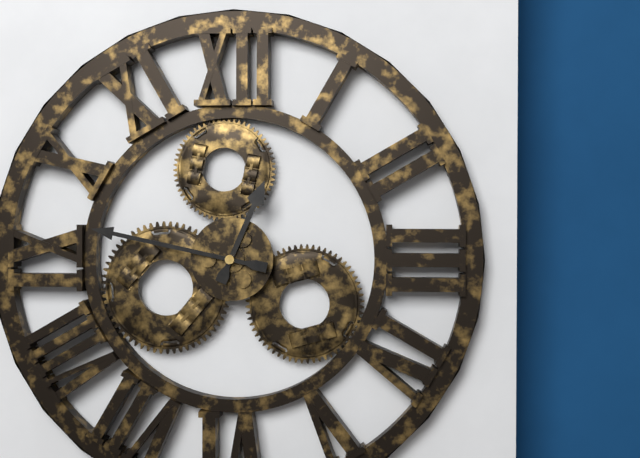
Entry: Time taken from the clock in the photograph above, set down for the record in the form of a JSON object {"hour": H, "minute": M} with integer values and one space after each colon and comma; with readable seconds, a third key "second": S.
{"hour": 12, "minute": 47}
